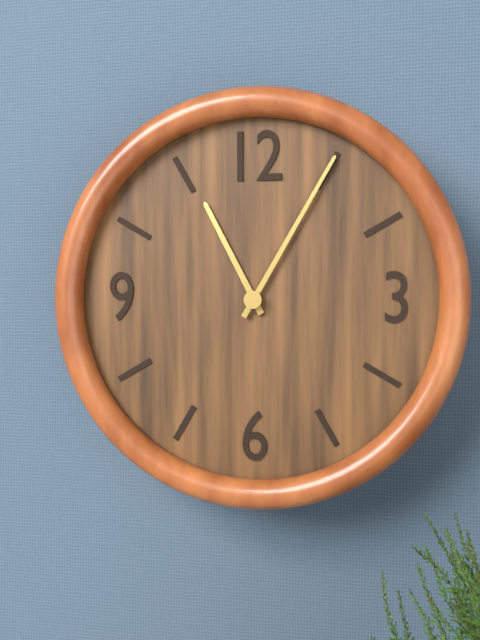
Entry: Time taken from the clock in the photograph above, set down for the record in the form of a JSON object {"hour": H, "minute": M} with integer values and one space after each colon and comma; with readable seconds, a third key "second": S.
{"hour": 11, "minute": 5}
